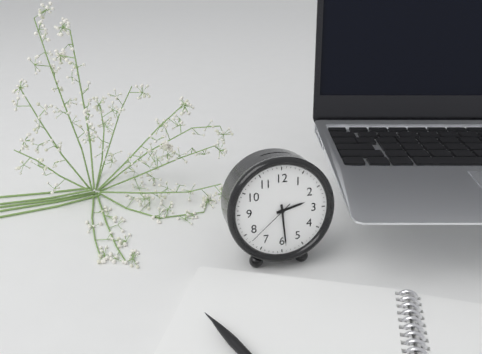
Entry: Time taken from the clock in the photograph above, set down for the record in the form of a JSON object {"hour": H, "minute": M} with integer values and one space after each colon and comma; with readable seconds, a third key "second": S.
{"hour": 2, "minute": 29, "second": 38}
